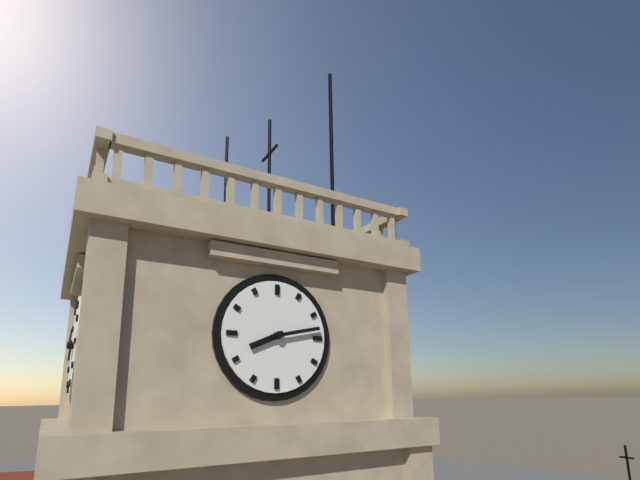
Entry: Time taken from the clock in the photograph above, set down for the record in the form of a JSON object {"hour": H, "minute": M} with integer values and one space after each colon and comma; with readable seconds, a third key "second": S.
{"hour": 8, "minute": 13}
